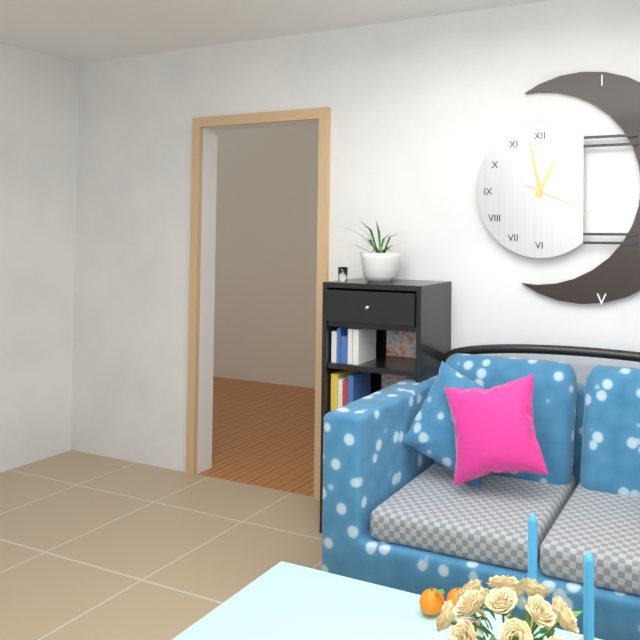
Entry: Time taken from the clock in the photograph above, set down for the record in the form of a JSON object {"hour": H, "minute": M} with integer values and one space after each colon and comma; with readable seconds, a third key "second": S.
{"hour": 12, "minute": 58, "second": 19}
